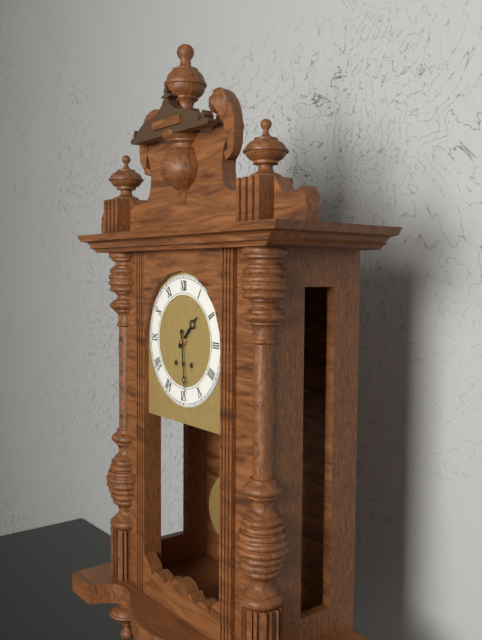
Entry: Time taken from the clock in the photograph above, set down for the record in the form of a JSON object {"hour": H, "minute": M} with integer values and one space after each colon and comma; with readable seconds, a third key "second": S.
{"hour": 1, "minute": 29}
